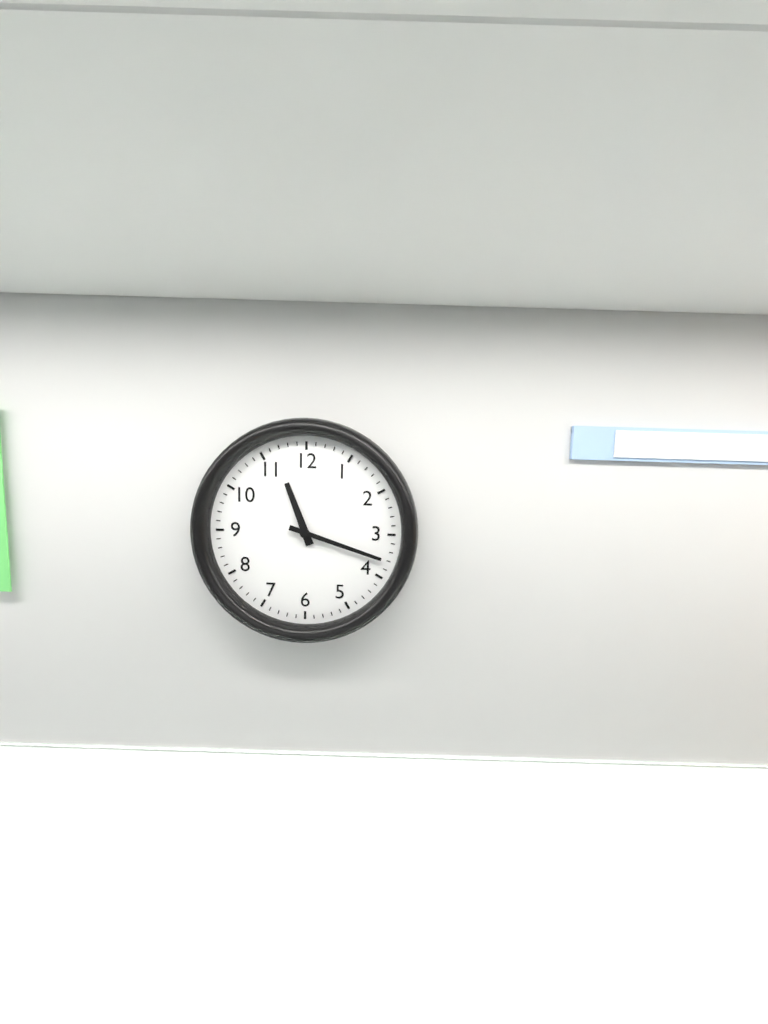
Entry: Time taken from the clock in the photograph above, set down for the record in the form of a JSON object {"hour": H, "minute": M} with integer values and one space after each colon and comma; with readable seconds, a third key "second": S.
{"hour": 11, "minute": 18}
